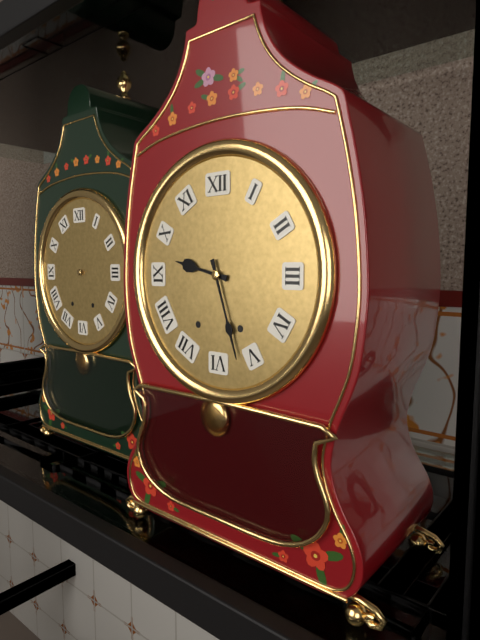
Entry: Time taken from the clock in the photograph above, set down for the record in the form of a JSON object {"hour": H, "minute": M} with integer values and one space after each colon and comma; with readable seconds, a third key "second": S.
{"hour": 9, "minute": 27}
